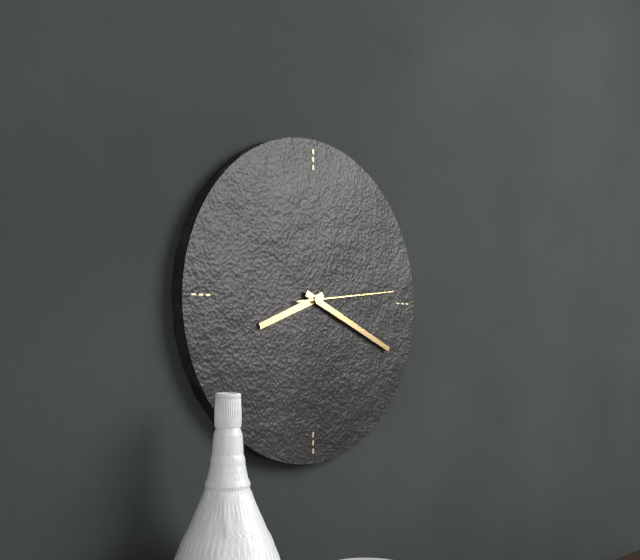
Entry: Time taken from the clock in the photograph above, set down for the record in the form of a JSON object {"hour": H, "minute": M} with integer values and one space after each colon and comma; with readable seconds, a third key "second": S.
{"hour": 8, "minute": 19, "second": 14}
